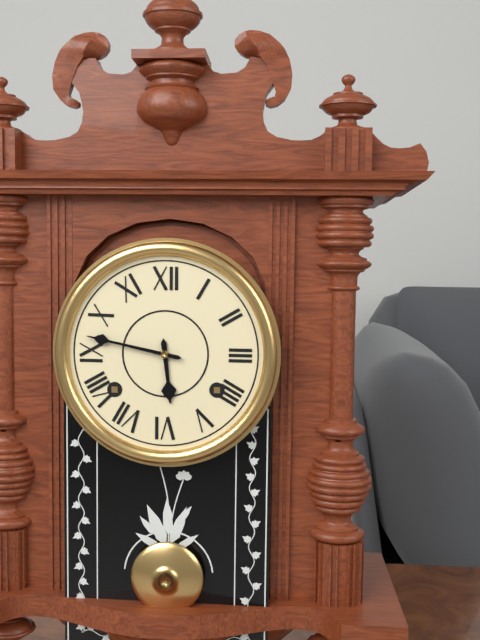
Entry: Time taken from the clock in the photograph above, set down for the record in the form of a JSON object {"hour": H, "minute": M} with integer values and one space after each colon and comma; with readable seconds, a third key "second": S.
{"hour": 5, "minute": 47}
